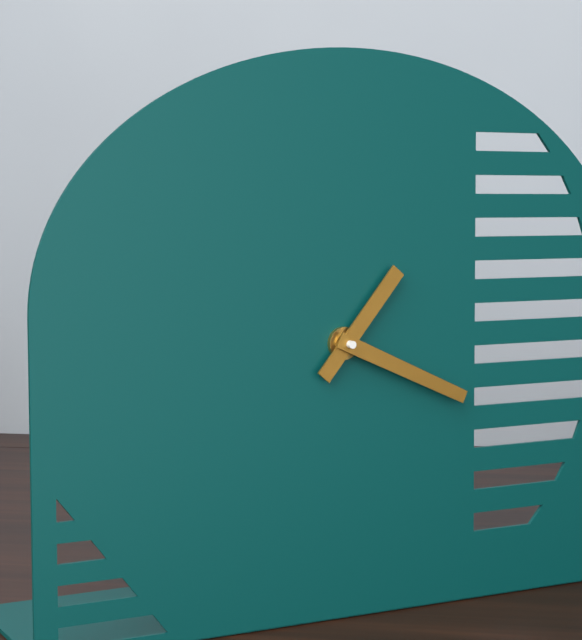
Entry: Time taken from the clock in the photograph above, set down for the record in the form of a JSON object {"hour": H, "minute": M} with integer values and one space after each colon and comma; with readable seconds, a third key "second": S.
{"hour": 1, "minute": 19}
